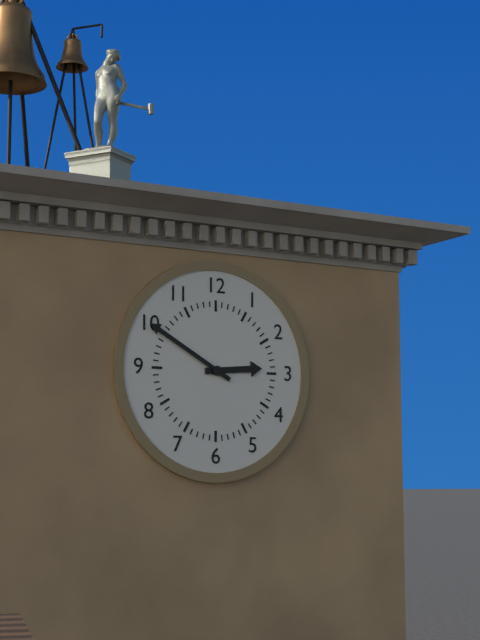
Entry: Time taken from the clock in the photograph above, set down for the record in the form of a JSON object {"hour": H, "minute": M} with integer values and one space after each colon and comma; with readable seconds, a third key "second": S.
{"hour": 2, "minute": 50}
